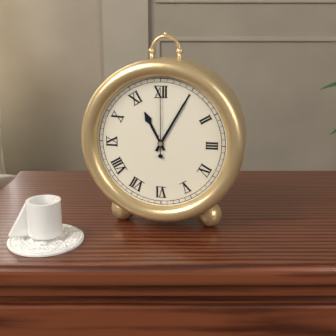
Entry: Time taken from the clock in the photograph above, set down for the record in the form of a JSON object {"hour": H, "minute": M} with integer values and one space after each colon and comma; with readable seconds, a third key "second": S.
{"hour": 11, "minute": 5, "second": 0}
